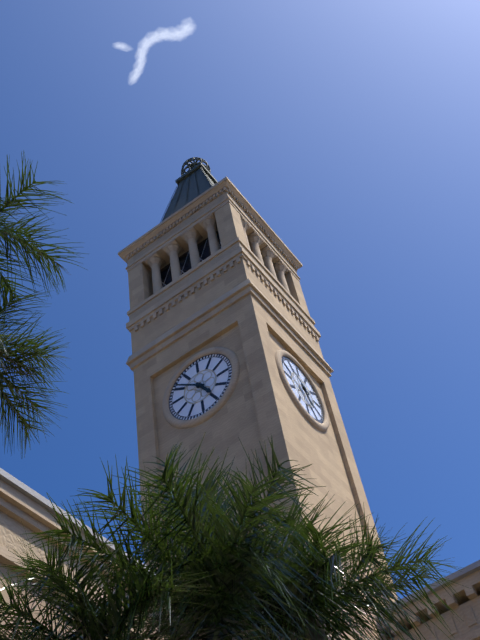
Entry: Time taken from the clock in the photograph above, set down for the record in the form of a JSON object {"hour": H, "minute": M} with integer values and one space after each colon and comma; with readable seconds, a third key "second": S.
{"hour": 4, "minute": 51}
